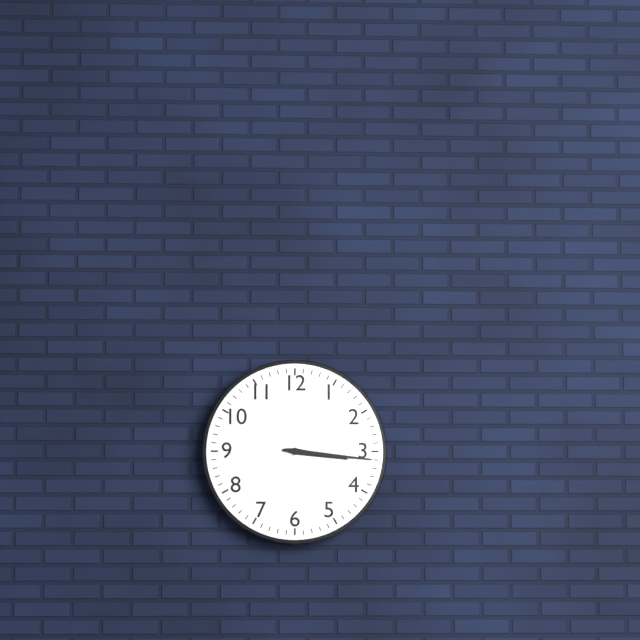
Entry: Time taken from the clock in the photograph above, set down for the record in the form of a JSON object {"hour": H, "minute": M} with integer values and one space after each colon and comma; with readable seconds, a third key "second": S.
{"hour": 3, "minute": 16}
